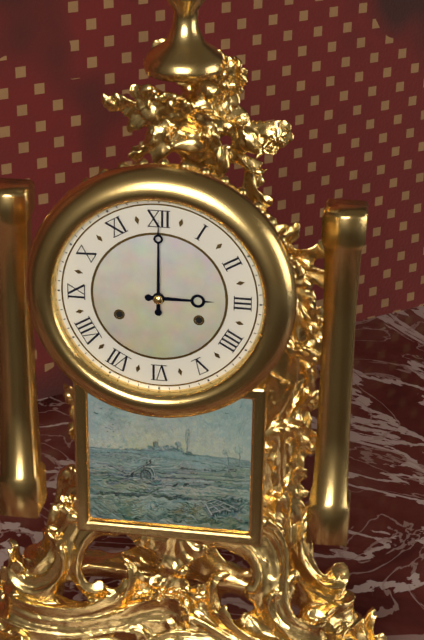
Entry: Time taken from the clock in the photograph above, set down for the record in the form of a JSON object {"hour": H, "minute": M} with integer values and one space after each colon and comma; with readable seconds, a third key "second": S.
{"hour": 3, "minute": 0}
